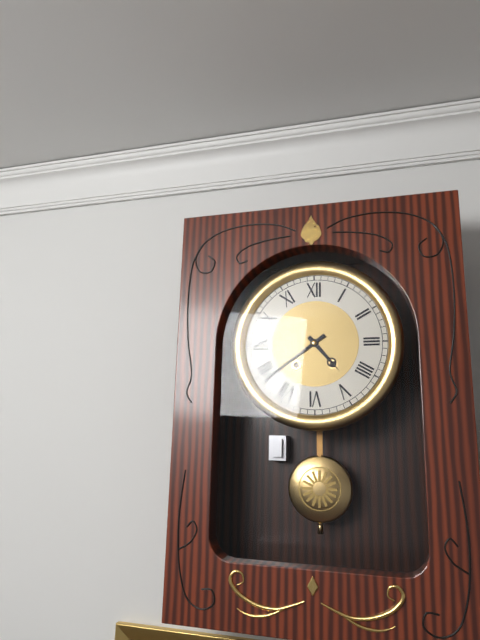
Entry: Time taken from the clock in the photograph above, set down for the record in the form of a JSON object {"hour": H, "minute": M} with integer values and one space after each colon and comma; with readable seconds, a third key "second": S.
{"hour": 4, "minute": 39}
